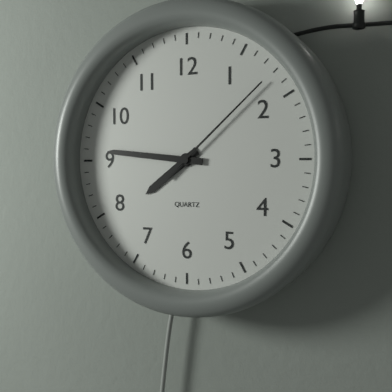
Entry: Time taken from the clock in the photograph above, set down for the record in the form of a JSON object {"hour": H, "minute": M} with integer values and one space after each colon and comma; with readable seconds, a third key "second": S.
{"hour": 7, "minute": 46, "second": 8}
